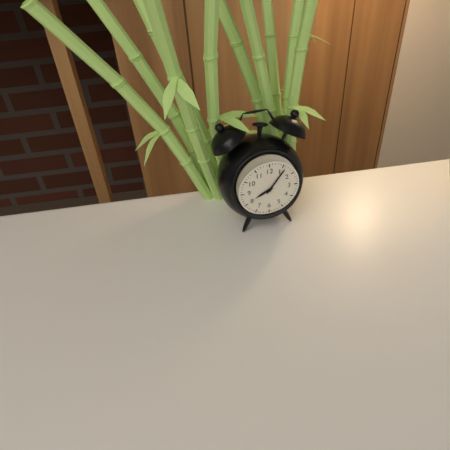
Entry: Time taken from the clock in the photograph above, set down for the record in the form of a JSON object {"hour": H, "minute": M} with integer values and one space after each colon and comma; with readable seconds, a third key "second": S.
{"hour": 8, "minute": 6}
